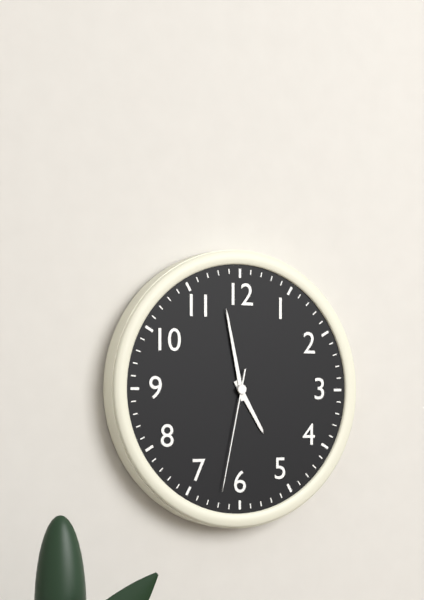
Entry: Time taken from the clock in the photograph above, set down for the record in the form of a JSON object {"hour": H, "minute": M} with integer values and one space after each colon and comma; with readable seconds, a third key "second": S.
{"hour": 4, "minute": 58, "second": 32}
